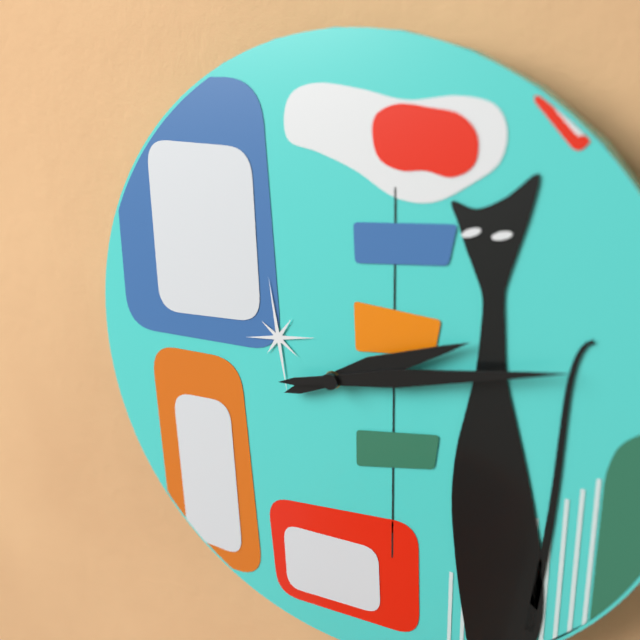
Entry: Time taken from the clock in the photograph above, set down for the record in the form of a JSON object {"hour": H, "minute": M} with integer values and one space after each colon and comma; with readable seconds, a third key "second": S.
{"hour": 2, "minute": 13}
